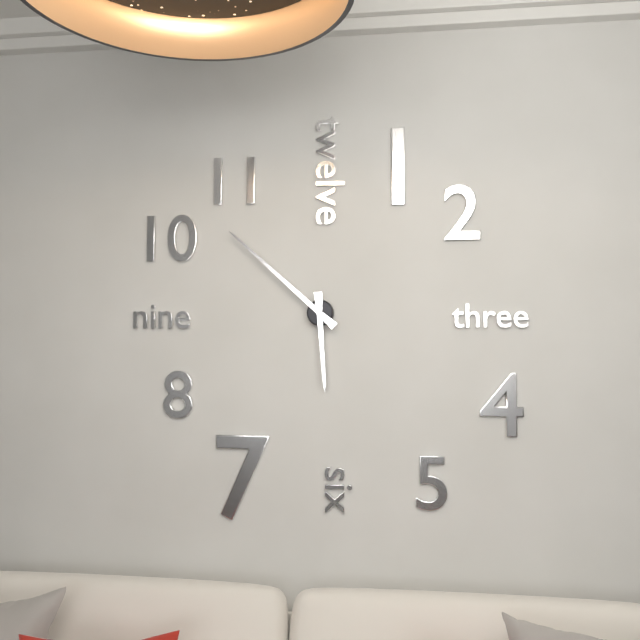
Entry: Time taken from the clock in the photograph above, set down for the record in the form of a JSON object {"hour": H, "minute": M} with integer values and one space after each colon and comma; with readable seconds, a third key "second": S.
{"hour": 5, "minute": 52}
